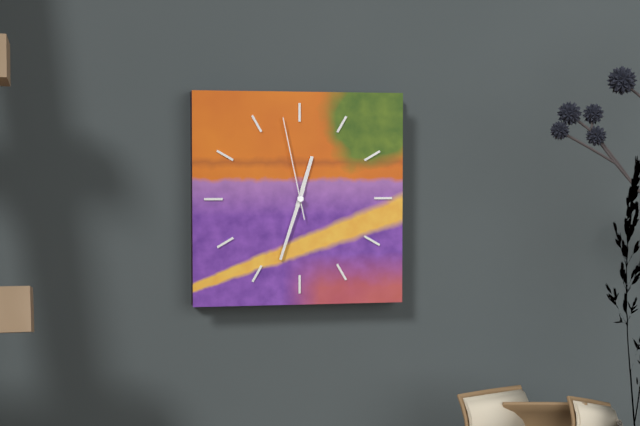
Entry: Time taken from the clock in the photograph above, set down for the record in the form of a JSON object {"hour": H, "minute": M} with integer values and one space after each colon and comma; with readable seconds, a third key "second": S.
{"hour": 12, "minute": 33, "second": 58}
